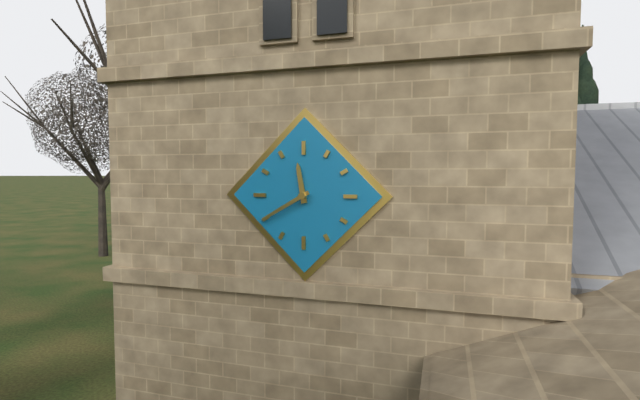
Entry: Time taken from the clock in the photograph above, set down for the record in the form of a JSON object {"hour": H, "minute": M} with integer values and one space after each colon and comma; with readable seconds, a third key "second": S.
{"hour": 11, "minute": 40}
